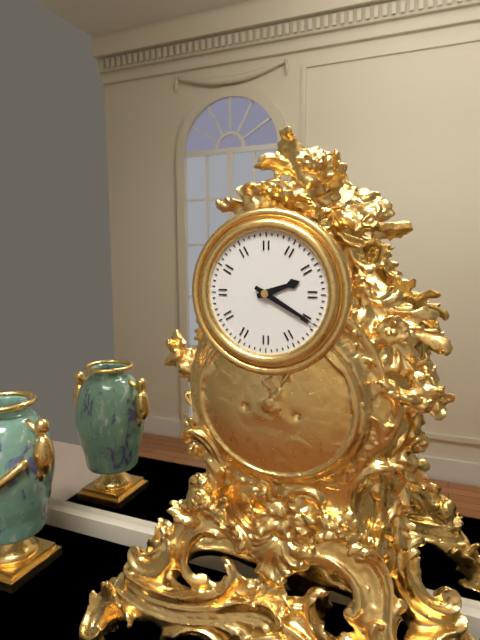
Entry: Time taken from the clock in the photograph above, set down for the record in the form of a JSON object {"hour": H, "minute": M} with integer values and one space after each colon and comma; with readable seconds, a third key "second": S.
{"hour": 2, "minute": 20}
